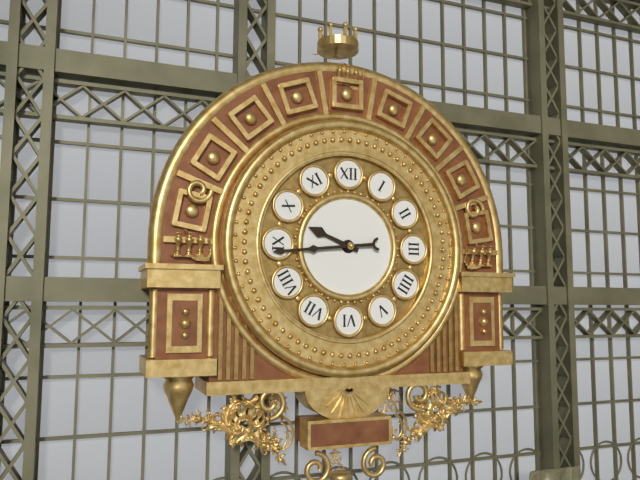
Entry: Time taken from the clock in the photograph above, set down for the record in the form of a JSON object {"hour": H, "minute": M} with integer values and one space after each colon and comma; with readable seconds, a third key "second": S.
{"hour": 9, "minute": 44}
